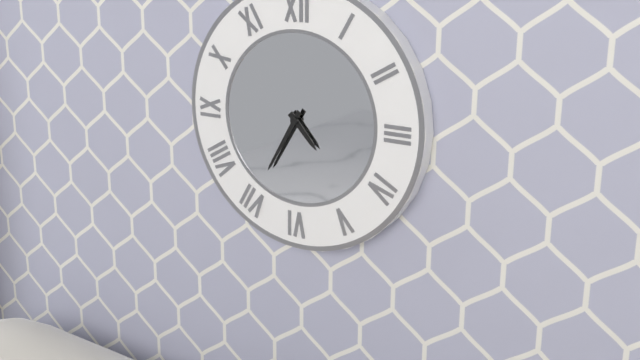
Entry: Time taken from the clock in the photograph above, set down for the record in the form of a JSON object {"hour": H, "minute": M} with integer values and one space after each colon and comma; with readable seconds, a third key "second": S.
{"hour": 4, "minute": 35}
